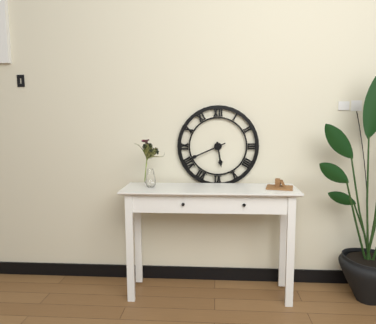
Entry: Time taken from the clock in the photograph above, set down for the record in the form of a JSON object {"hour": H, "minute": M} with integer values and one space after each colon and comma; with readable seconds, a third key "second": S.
{"hour": 5, "minute": 41}
